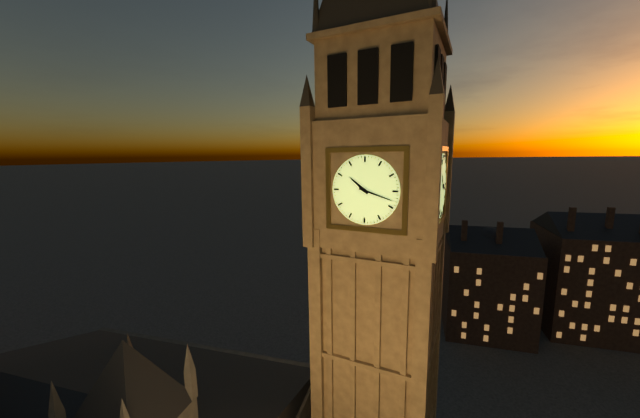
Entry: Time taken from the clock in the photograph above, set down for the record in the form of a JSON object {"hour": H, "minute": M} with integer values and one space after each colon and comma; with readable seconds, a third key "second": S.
{"hour": 10, "minute": 18}
